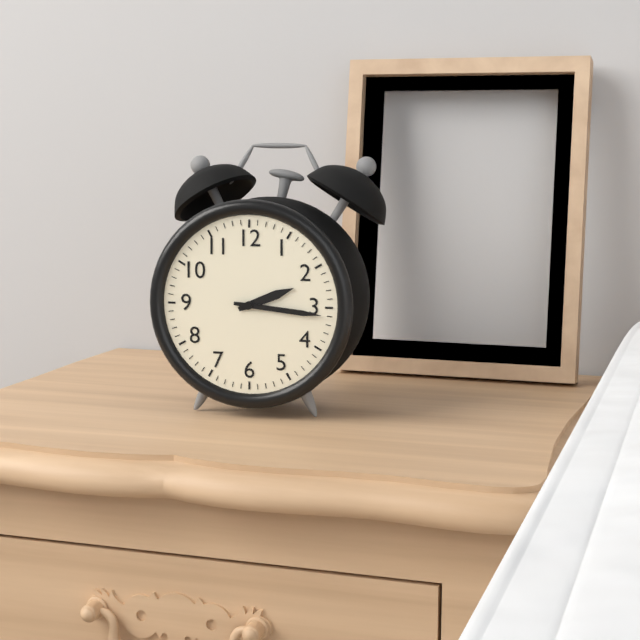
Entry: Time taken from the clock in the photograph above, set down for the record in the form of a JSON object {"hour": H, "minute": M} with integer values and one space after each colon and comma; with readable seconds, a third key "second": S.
{"hour": 2, "minute": 16}
